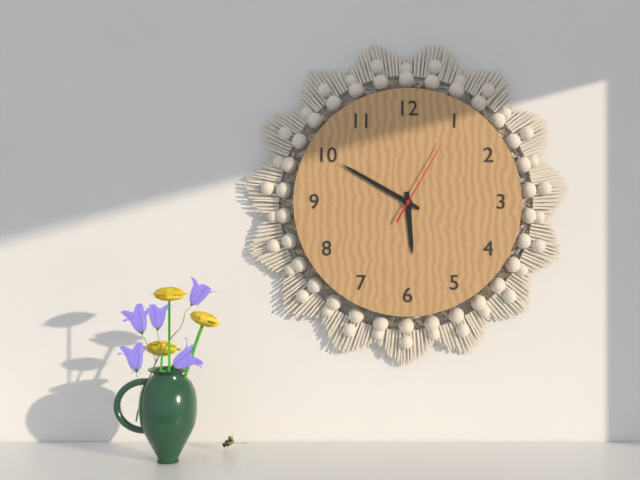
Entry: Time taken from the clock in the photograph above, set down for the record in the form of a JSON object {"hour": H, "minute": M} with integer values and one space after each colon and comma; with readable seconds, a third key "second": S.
{"hour": 5, "minute": 50, "second": 5}
